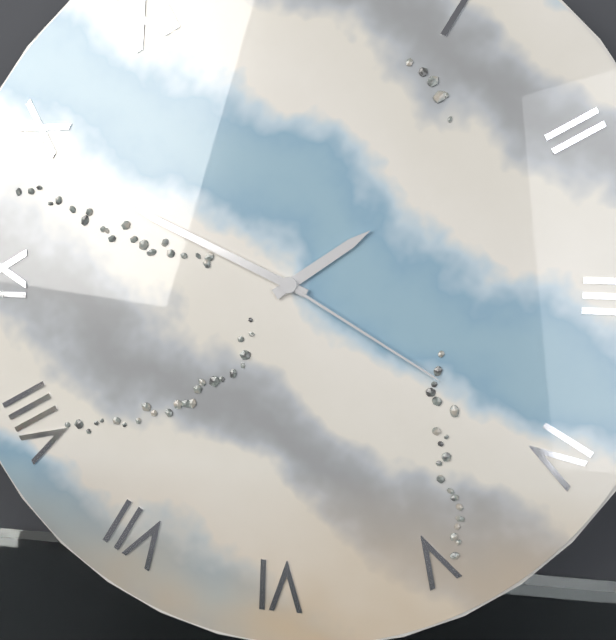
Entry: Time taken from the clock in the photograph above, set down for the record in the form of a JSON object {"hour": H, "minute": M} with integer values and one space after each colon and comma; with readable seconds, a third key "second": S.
{"hour": 1, "minute": 49, "second": 20}
